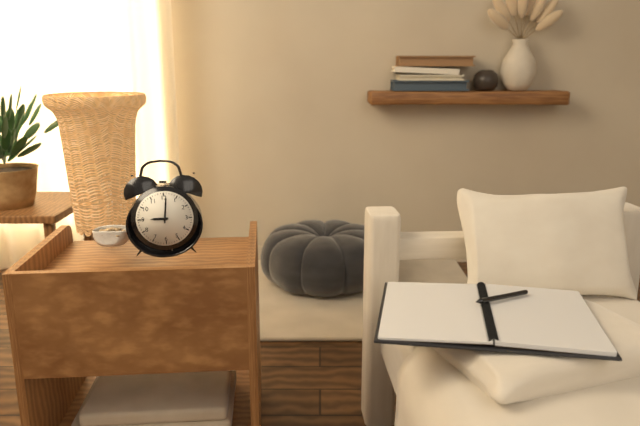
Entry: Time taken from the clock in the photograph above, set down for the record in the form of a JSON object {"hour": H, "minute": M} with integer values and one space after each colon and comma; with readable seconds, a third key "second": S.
{"hour": 9, "minute": 1}
